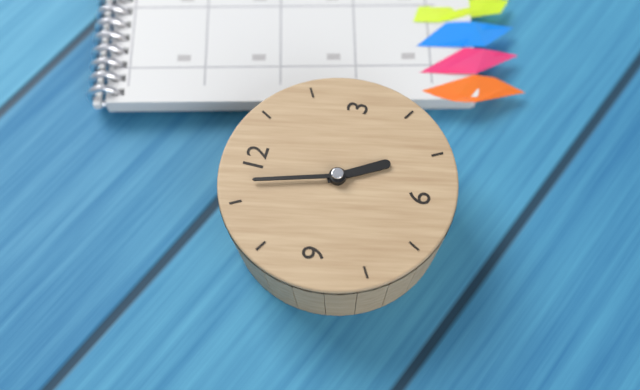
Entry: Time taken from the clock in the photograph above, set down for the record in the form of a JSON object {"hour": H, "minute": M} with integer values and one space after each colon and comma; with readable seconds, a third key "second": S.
{"hour": 4, "minute": 57}
